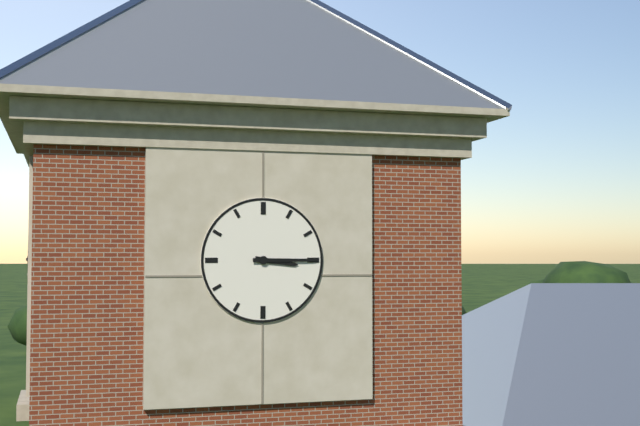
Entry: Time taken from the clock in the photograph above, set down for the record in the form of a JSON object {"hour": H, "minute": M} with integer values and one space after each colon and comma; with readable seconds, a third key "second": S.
{"hour": 3, "minute": 15}
